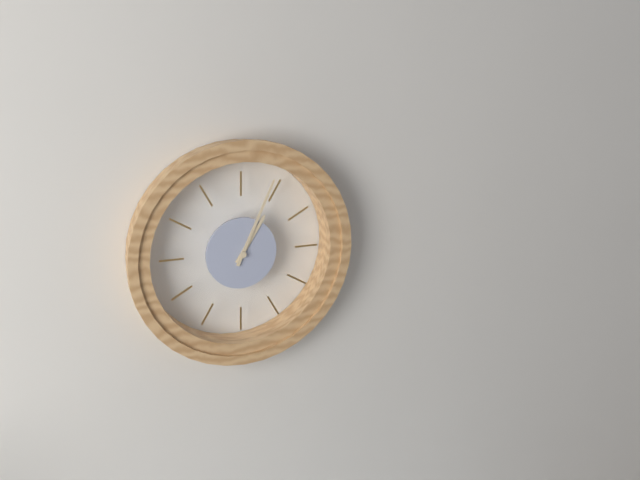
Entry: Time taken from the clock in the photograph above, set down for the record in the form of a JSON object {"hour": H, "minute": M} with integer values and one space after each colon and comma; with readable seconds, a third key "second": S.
{"hour": 1, "minute": 4}
